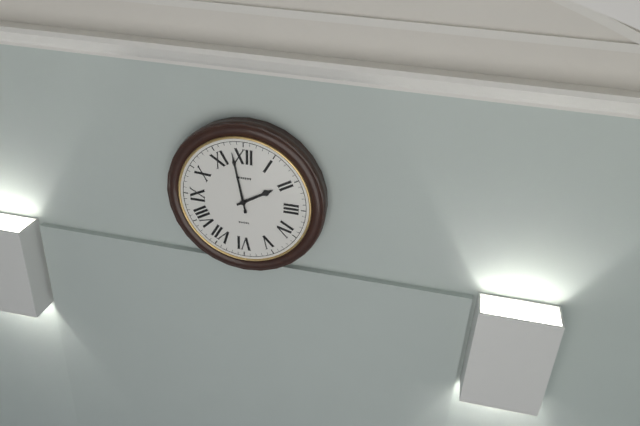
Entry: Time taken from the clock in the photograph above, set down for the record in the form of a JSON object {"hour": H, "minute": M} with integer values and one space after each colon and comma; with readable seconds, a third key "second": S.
{"hour": 1, "minute": 58}
